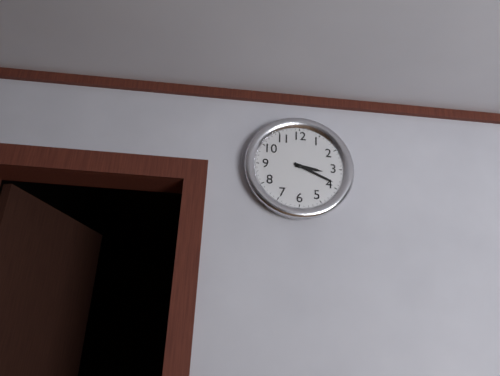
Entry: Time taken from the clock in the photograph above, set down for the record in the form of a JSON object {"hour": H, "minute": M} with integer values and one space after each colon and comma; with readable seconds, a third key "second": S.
{"hour": 3, "minute": 19}
